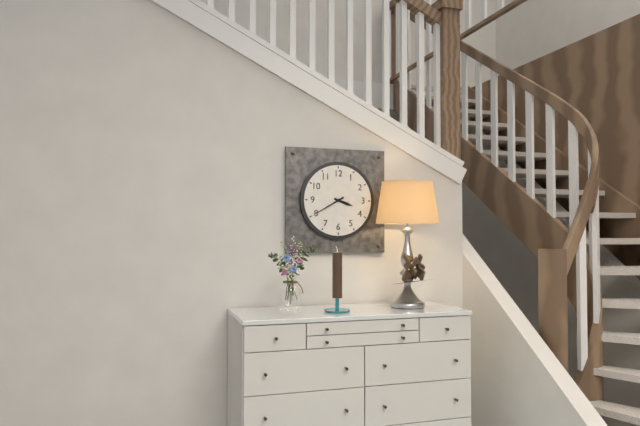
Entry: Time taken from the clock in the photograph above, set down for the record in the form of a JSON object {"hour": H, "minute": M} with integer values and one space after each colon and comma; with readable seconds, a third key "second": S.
{"hour": 3, "minute": 40}
